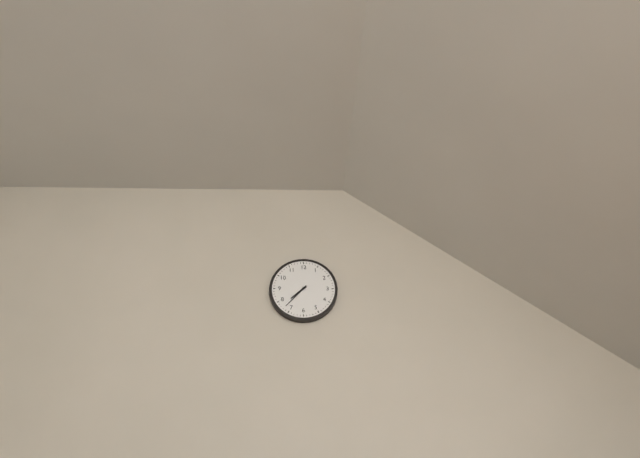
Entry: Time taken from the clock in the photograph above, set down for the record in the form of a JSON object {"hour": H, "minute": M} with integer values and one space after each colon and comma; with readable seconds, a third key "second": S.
{"hour": 7, "minute": 37}
